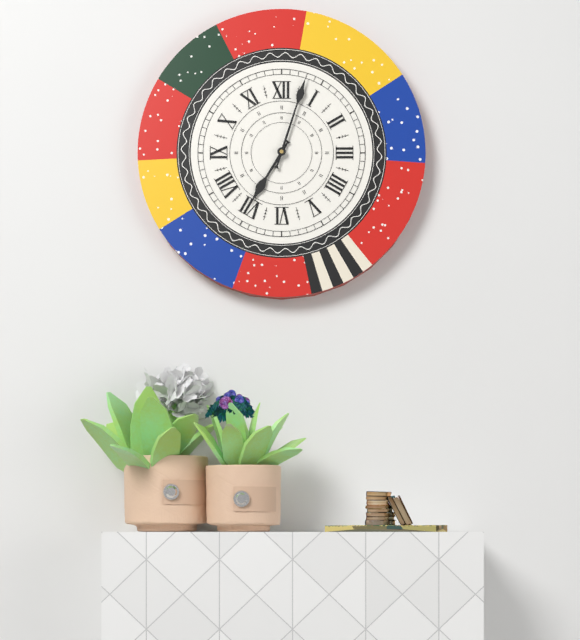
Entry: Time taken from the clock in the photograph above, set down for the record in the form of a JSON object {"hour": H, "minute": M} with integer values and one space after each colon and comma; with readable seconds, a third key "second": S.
{"hour": 7, "minute": 3}
